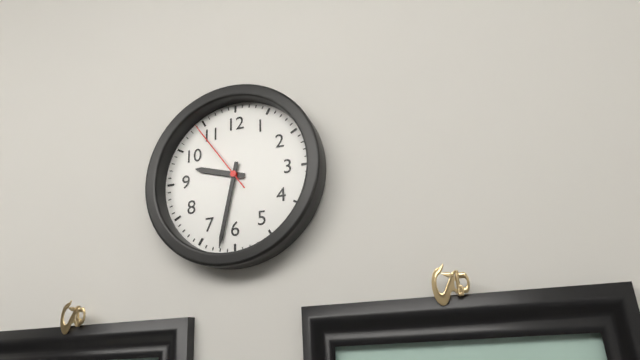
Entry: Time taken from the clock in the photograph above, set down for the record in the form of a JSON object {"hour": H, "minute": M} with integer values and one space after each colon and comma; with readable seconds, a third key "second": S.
{"hour": 9, "minute": 32, "second": 54}
